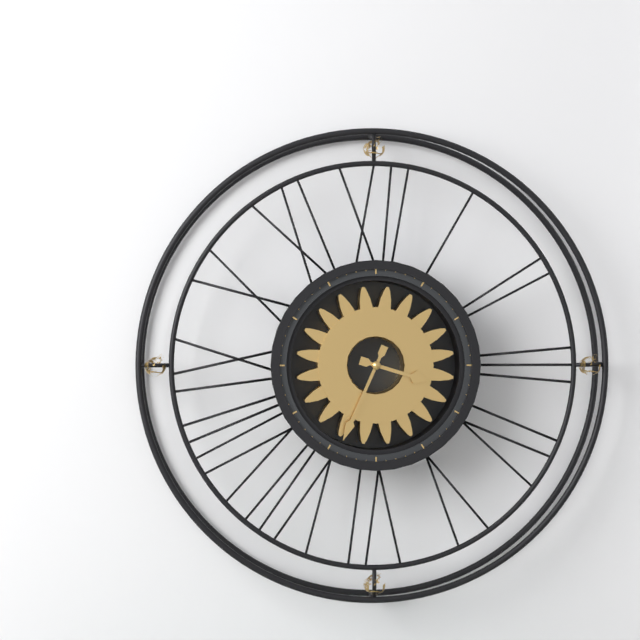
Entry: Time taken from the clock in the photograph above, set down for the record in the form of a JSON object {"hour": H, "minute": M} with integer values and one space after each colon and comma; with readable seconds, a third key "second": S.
{"hour": 3, "minute": 34}
